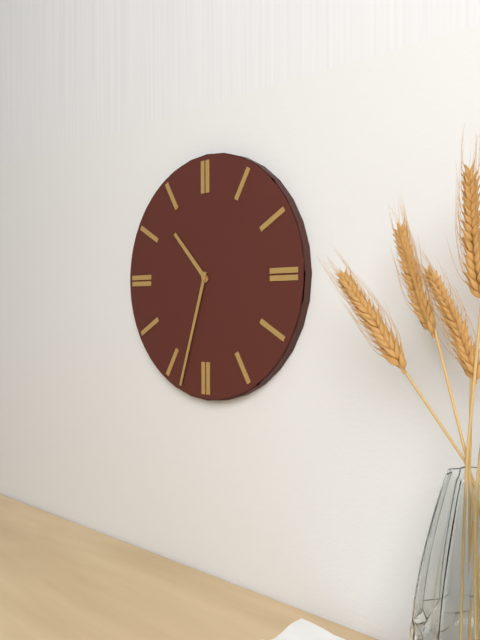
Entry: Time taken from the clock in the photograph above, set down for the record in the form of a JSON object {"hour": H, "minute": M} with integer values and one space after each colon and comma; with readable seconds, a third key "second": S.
{"hour": 10, "minute": 33}
